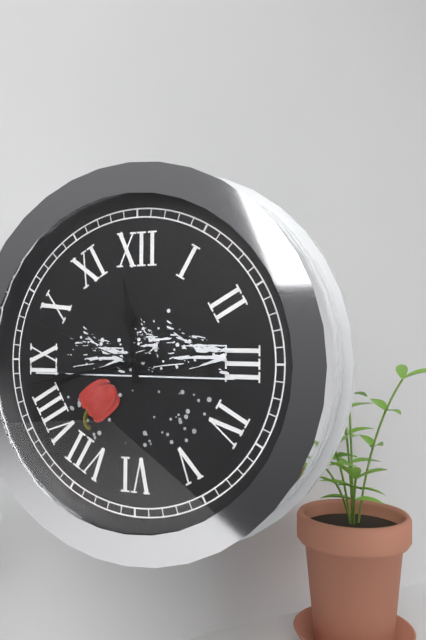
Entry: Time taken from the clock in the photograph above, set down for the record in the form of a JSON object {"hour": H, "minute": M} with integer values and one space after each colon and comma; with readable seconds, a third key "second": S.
{"hour": 11, "minute": 43, "second": 48}
